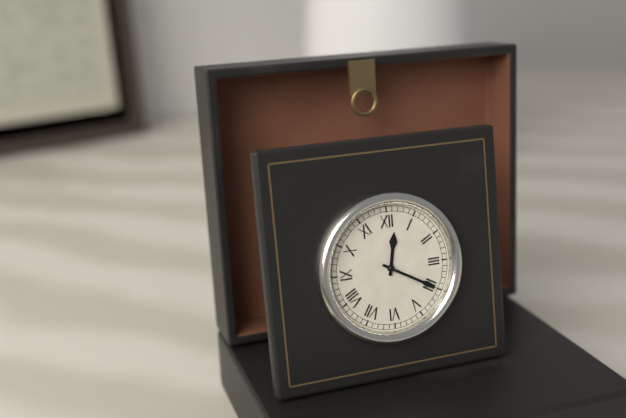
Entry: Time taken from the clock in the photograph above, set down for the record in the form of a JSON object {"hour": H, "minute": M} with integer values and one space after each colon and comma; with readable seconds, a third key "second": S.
{"hour": 12, "minute": 20}
